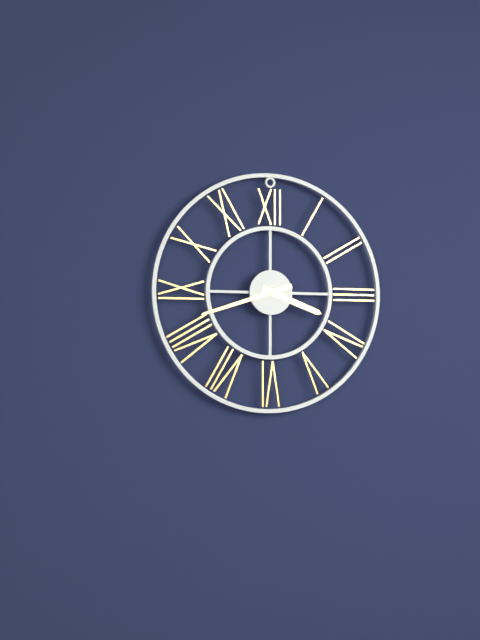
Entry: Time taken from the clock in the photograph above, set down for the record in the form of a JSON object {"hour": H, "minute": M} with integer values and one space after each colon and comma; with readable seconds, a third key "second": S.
{"hour": 3, "minute": 42}
